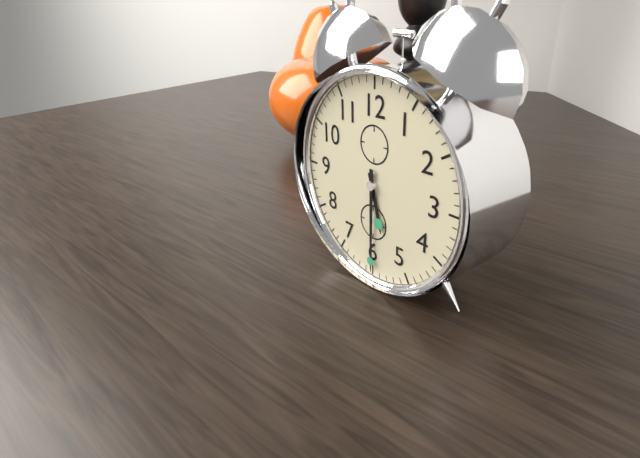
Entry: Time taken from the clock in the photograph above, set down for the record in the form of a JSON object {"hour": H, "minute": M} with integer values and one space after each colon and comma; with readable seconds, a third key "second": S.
{"hour": 5, "minute": 30}
